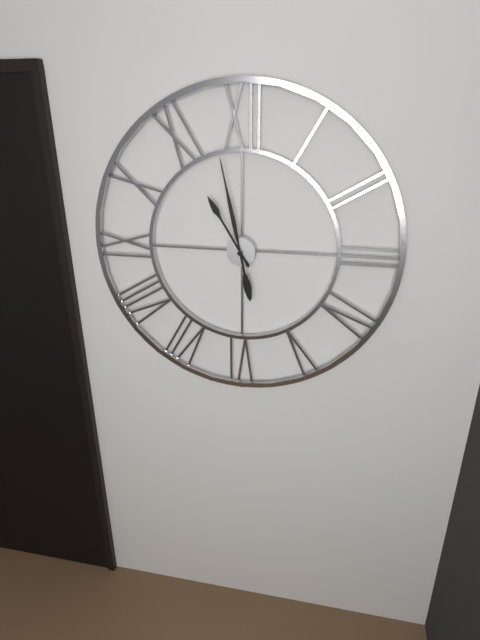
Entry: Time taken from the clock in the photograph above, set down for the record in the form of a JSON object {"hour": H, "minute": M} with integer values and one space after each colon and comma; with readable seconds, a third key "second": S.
{"hour": 10, "minute": 58}
